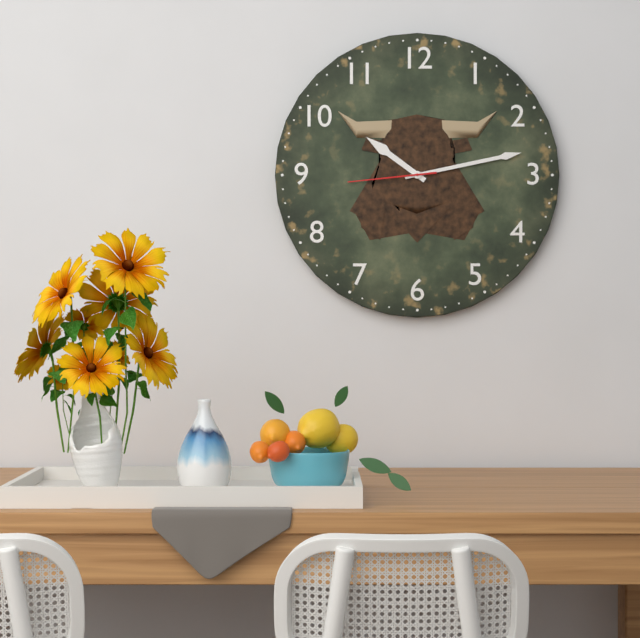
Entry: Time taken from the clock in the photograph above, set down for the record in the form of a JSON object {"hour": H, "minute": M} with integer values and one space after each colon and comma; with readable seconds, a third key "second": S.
{"hour": 10, "minute": 13, "second": 44}
